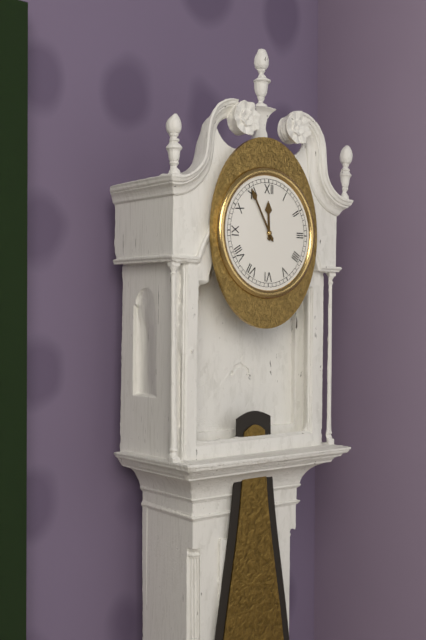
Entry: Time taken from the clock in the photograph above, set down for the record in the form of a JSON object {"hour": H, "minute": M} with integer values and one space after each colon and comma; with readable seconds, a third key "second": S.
{"hour": 11, "minute": 55}
